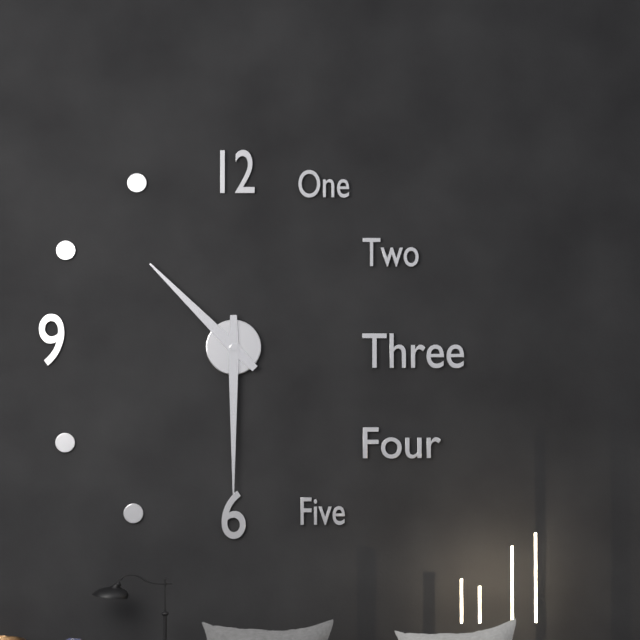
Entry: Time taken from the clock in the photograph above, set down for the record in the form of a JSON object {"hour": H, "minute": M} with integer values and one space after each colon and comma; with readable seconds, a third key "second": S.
{"hour": 10, "minute": 30}
